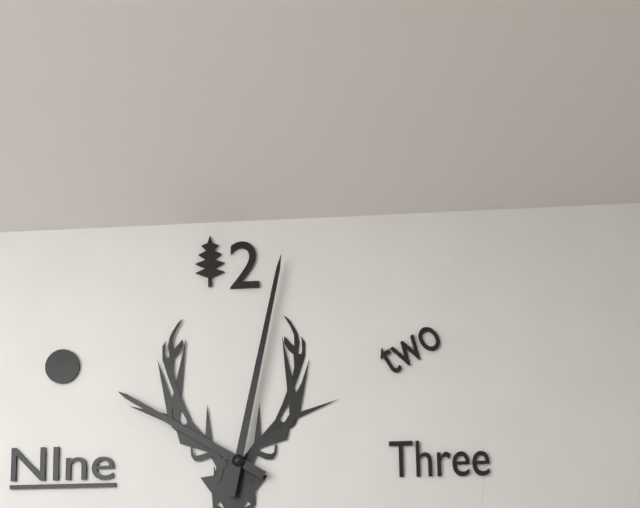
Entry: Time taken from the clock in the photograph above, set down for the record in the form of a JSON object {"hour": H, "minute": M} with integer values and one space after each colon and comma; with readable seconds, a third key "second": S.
{"hour": 10, "minute": 2}
